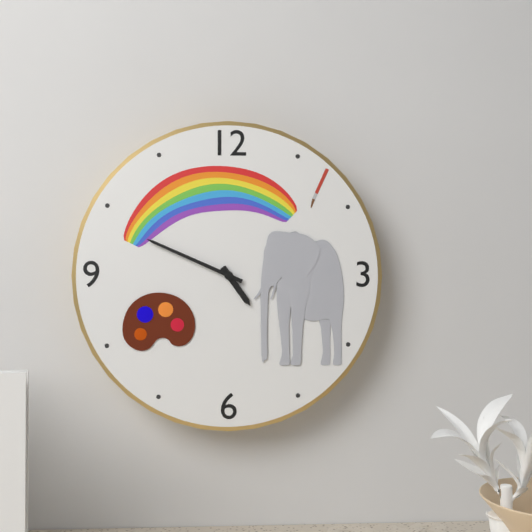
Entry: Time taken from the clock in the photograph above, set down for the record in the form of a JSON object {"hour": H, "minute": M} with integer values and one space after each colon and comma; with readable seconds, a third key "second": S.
{"hour": 4, "minute": 49}
